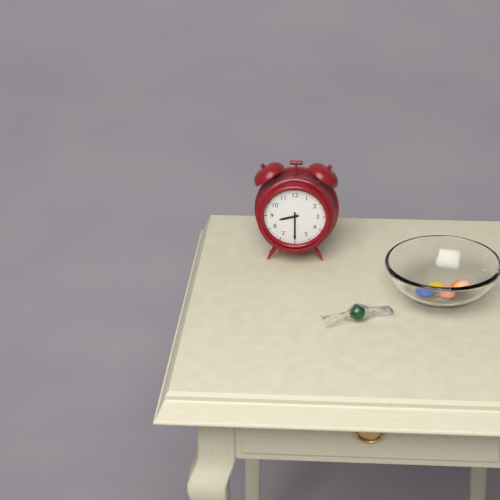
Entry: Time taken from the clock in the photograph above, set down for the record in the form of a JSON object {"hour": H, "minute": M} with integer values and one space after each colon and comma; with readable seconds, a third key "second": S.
{"hour": 8, "minute": 30}
